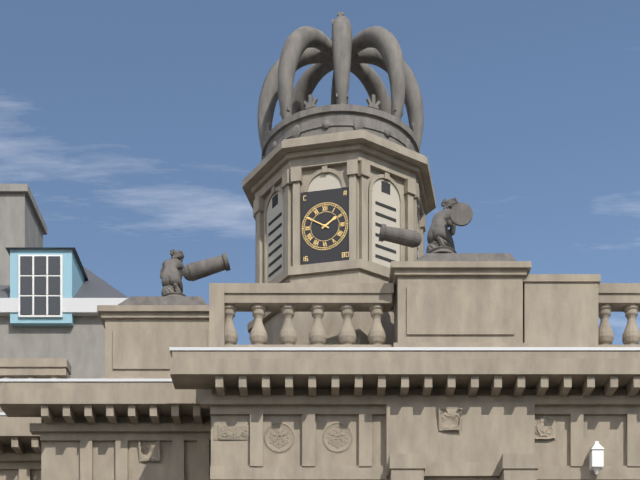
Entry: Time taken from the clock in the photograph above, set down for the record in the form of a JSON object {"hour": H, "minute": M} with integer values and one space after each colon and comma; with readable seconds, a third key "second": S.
{"hour": 1, "minute": 50}
